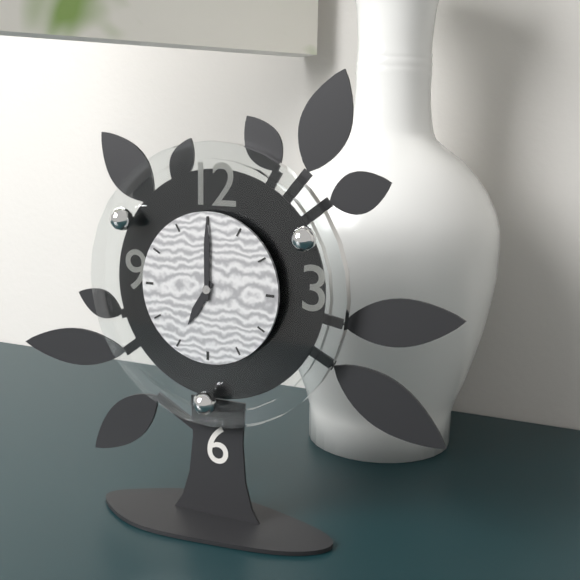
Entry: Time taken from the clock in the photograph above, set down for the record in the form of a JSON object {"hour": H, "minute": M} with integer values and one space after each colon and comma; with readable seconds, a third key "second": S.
{"hour": 7, "minute": 0}
